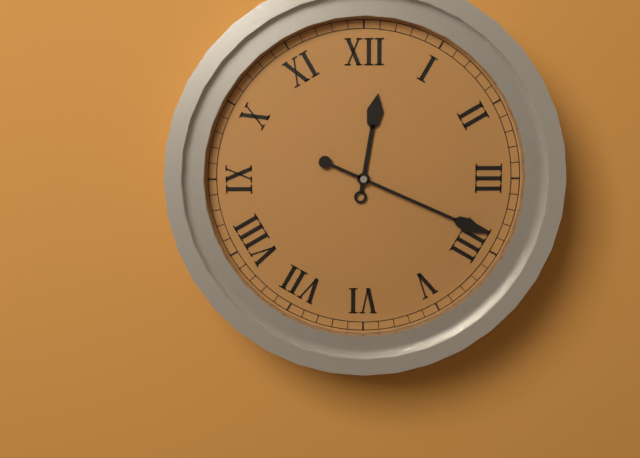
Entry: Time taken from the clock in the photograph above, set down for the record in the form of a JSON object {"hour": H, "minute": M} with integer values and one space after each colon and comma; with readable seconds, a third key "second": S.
{"hour": 12, "minute": 19}
